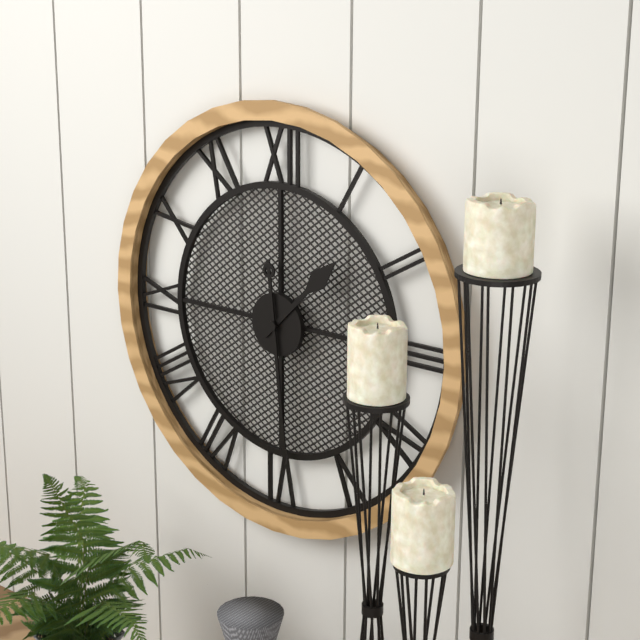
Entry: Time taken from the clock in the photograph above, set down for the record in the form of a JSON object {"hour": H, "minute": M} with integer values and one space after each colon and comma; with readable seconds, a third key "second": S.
{"hour": 1, "minute": 29}
